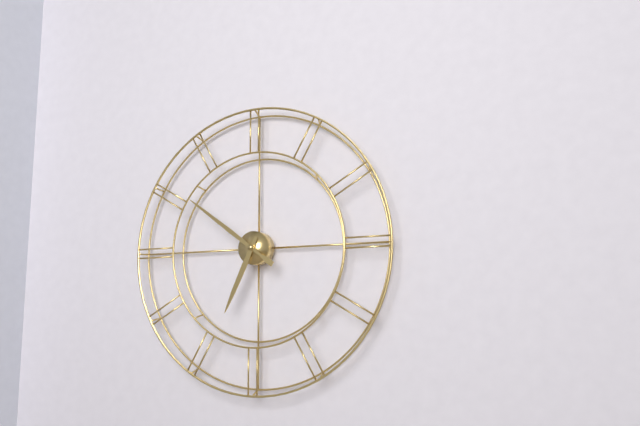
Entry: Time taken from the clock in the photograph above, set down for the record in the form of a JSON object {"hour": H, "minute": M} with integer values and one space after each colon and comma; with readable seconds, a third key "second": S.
{"hour": 6, "minute": 51}
